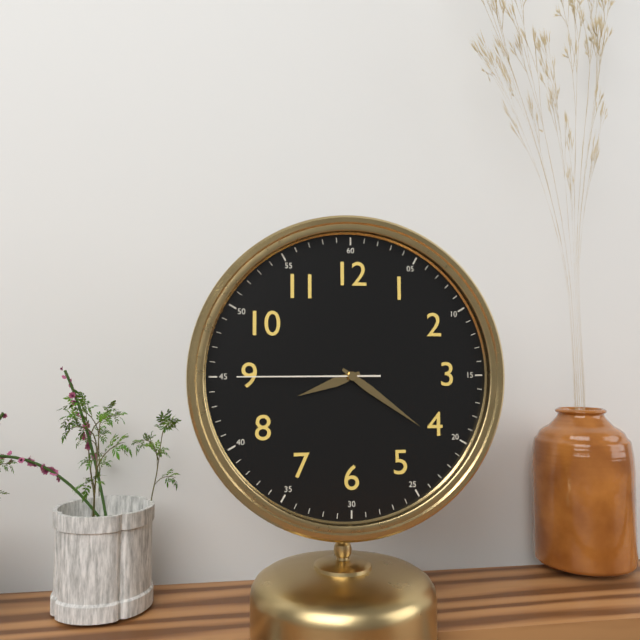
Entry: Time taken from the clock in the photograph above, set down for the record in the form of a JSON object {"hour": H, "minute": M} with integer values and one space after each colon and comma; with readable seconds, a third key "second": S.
{"hour": 8, "minute": 21, "second": 45}
